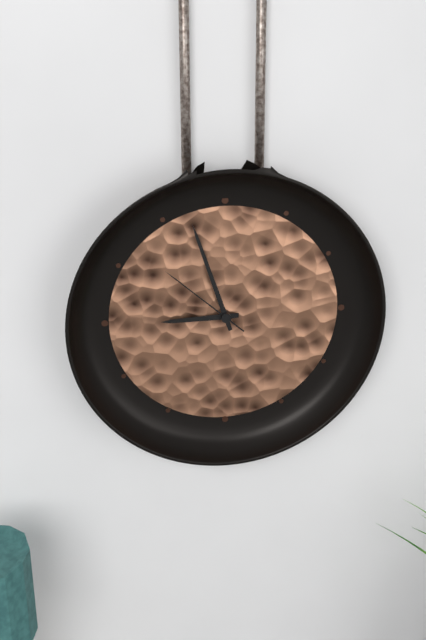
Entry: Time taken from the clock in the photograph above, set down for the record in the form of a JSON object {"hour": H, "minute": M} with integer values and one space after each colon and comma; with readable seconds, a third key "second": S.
{"hour": 8, "minute": 57, "second": 52}
